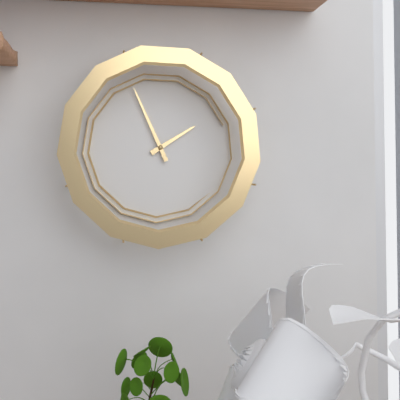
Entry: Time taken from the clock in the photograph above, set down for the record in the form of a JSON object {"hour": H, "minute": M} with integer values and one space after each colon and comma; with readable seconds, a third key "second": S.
{"hour": 1, "minute": 56}
